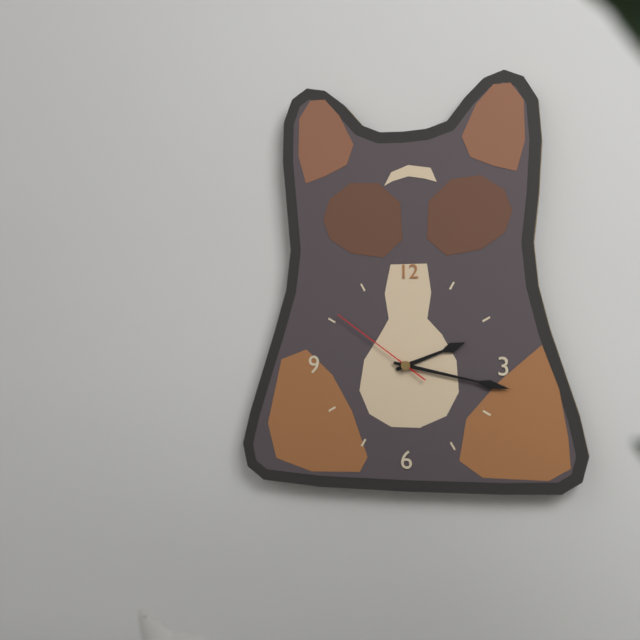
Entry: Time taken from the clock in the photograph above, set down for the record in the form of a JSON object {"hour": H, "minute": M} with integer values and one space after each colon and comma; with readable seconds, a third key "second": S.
{"hour": 2, "minute": 17, "second": 51}
